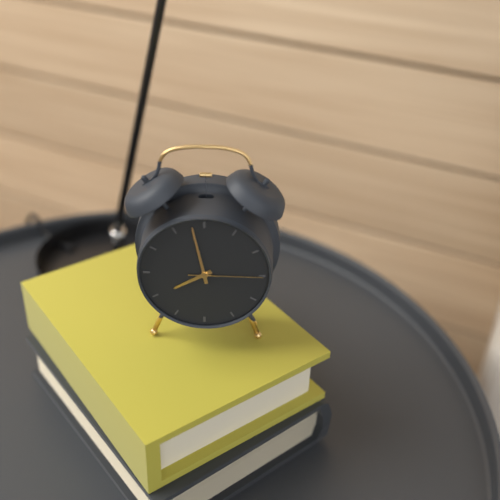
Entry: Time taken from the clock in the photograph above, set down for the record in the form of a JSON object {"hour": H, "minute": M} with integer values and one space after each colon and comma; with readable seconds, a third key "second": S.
{"hour": 7, "minute": 58, "second": 15}
